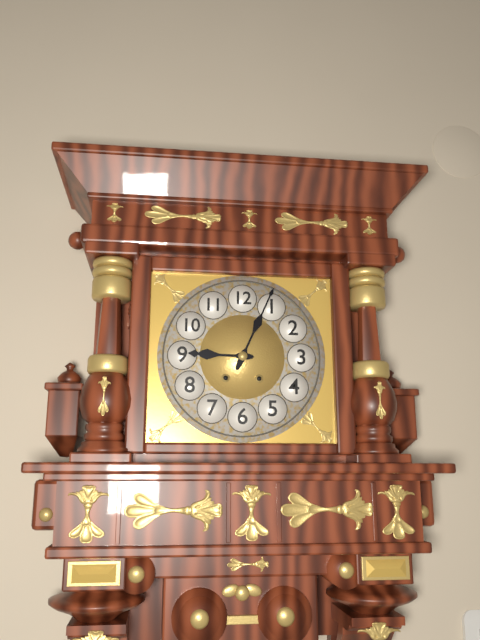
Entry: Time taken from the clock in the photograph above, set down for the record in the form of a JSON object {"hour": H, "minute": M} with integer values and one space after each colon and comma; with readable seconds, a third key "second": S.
{"hour": 9, "minute": 4}
